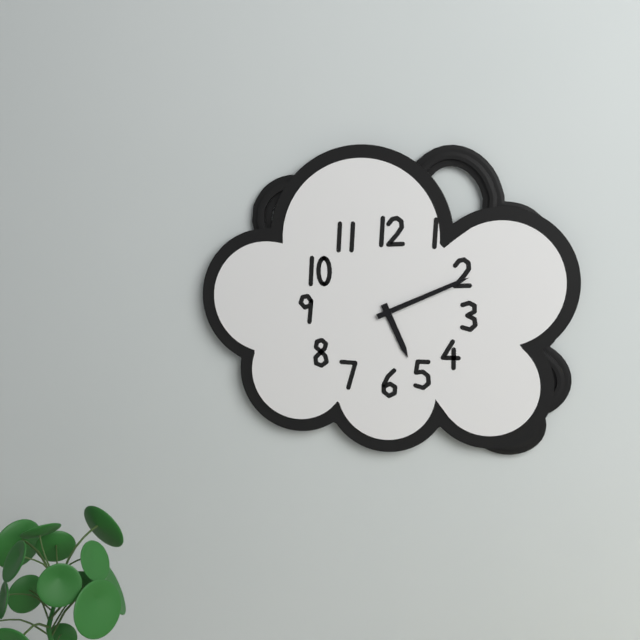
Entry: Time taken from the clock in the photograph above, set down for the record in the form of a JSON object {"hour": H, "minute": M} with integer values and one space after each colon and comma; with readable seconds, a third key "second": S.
{"hour": 5, "minute": 11}
